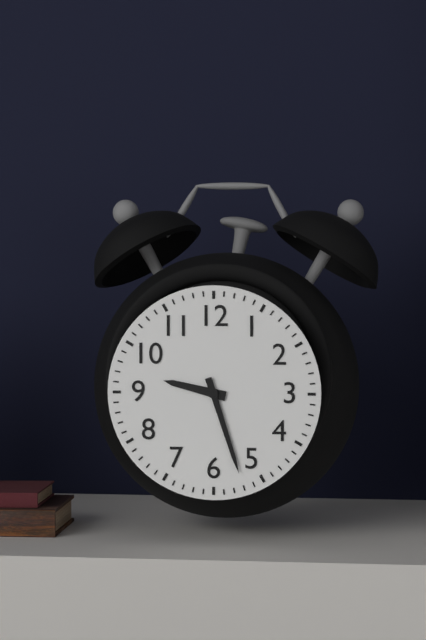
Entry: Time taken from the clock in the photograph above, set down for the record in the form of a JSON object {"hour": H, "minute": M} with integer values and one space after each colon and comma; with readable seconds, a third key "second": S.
{"hour": 9, "minute": 27}
